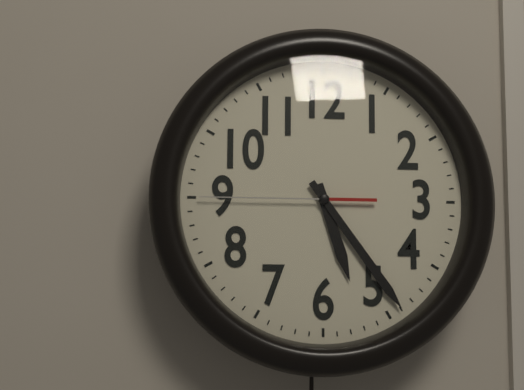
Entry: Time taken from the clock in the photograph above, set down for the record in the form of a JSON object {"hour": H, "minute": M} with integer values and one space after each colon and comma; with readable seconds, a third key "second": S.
{"hour": 5, "minute": 24, "second": 45}
